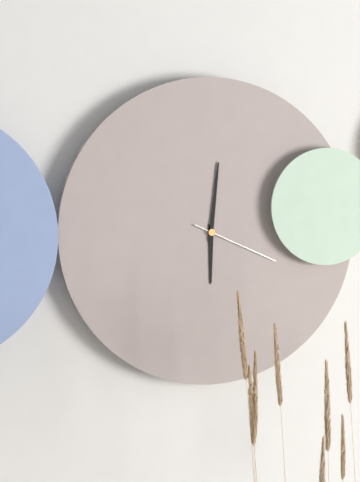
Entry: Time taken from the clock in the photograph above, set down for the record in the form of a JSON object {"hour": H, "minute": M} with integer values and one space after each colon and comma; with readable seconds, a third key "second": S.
{"hour": 6, "minute": 1, "second": 19}
